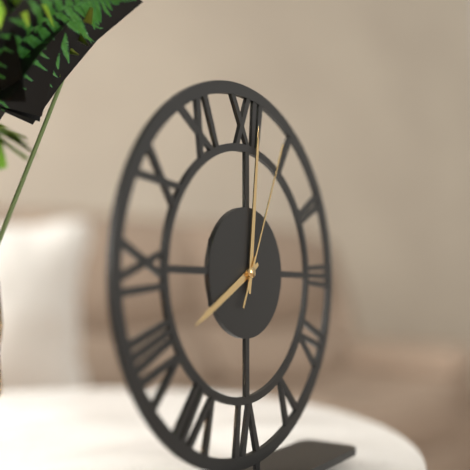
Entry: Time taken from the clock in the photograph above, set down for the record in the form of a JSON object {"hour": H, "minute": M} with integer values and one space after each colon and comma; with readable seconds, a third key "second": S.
{"hour": 8, "minute": 1, "second": 4}
